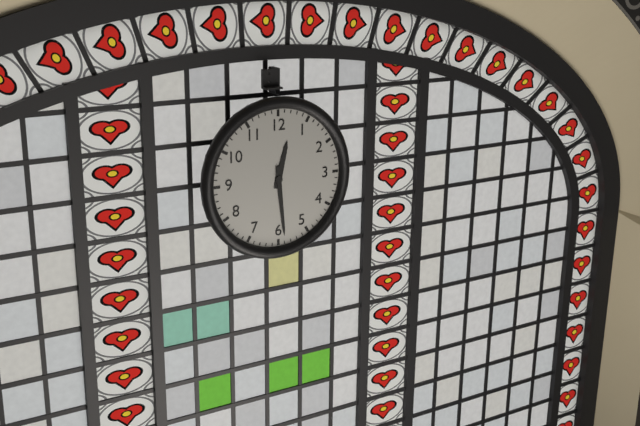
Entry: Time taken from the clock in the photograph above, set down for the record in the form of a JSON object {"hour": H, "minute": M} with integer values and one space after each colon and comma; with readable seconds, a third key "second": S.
{"hour": 12, "minute": 29}
